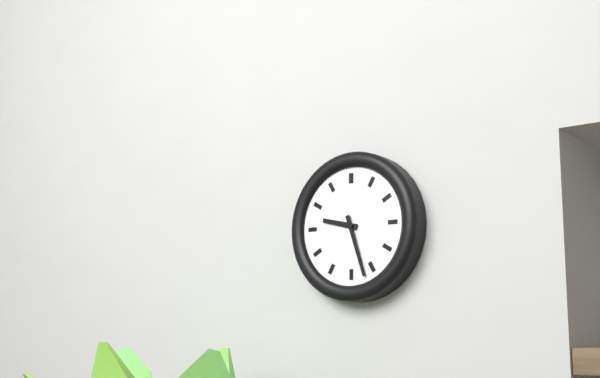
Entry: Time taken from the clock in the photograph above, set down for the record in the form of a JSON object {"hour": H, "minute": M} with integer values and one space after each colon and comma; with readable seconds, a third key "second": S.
{"hour": 9, "minute": 27}
